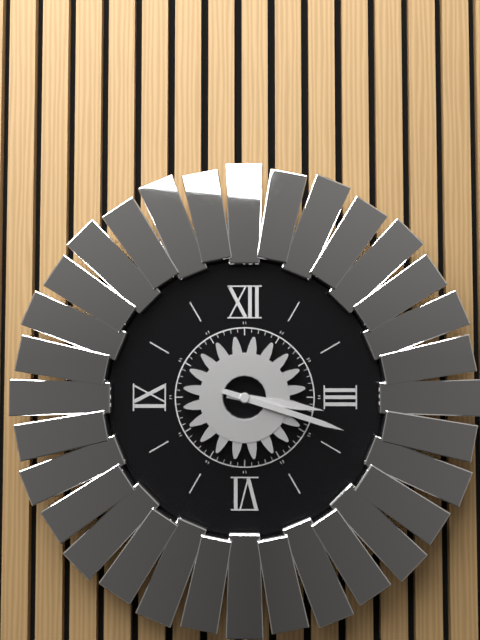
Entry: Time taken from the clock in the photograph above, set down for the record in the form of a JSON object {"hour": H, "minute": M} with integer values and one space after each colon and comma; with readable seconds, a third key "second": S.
{"hour": 3, "minute": 18}
